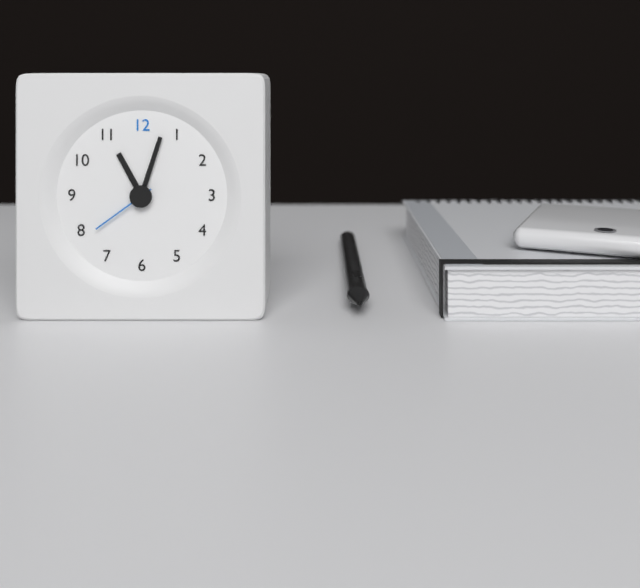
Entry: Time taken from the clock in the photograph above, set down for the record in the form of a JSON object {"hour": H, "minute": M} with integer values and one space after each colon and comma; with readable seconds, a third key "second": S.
{"hour": 11, "minute": 3, "second": 39}
